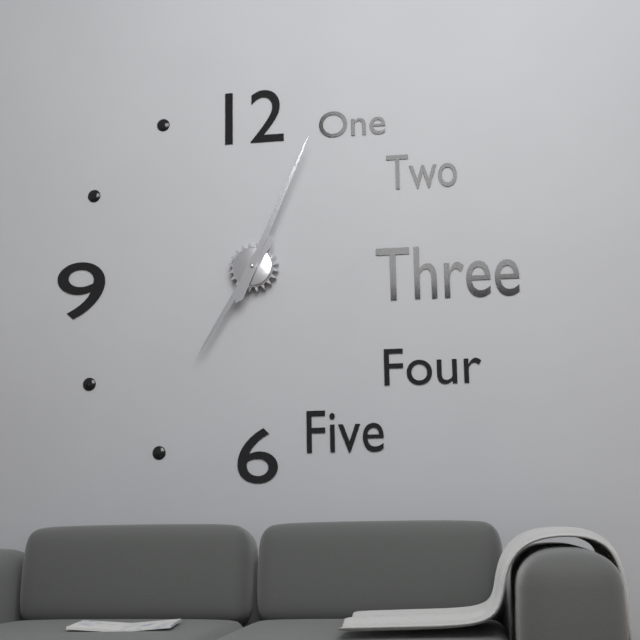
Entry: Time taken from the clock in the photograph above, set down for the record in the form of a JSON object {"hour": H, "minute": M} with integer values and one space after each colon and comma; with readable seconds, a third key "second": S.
{"hour": 7, "minute": 4}
